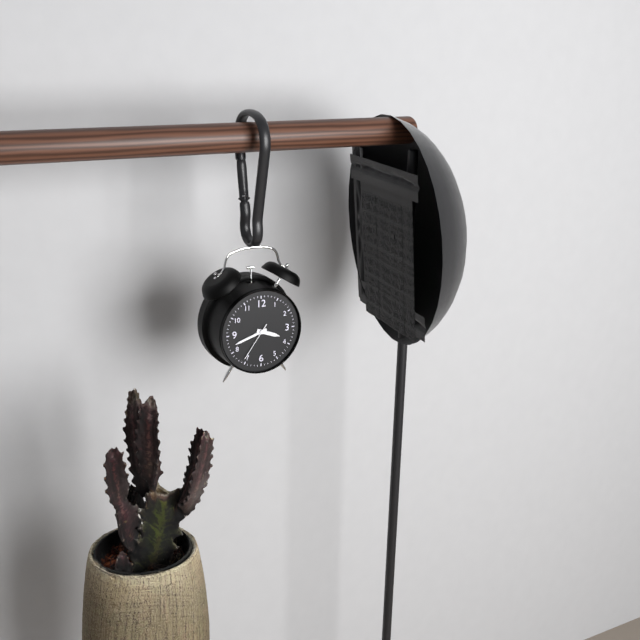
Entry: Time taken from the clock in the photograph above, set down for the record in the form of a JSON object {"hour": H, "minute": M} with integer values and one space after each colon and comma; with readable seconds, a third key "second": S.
{"hour": 3, "minute": 42}
